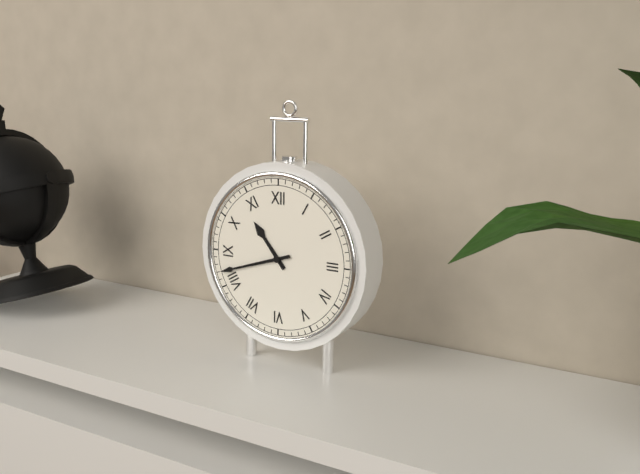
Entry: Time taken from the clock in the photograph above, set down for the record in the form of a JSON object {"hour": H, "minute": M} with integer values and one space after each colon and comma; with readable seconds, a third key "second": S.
{"hour": 10, "minute": 42}
